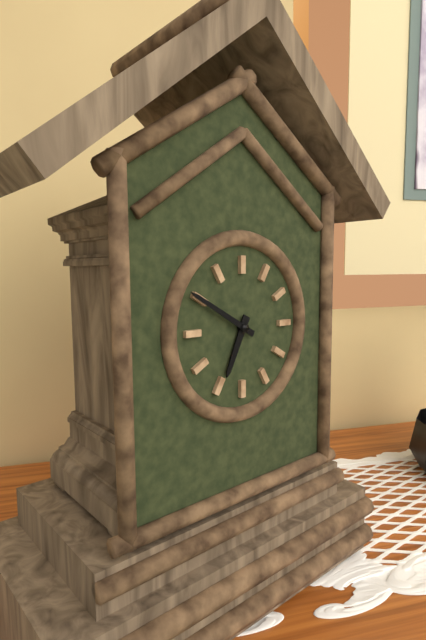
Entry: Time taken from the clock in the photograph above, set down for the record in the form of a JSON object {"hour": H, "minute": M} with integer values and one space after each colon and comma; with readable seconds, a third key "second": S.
{"hour": 6, "minute": 50}
